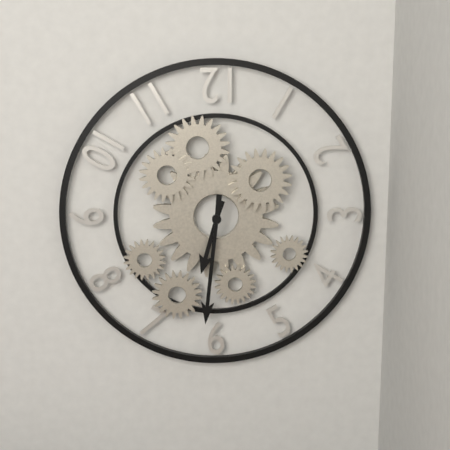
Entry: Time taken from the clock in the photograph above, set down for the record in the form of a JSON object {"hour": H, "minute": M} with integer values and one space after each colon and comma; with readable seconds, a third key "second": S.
{"hour": 6, "minute": 31}
